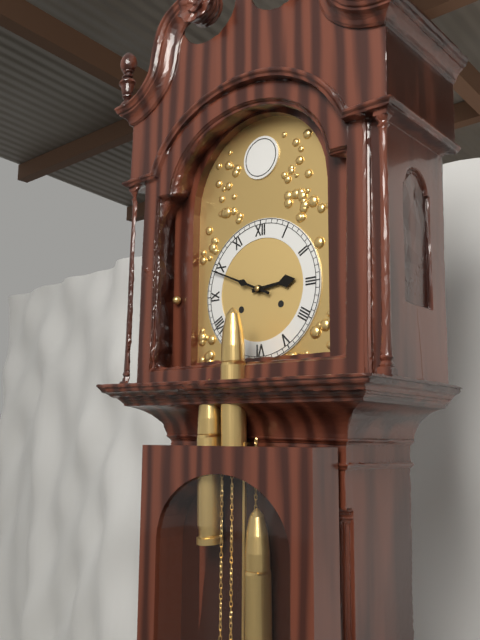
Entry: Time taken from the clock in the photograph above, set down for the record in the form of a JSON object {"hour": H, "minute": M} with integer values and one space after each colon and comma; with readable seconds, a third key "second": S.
{"hour": 2, "minute": 49}
